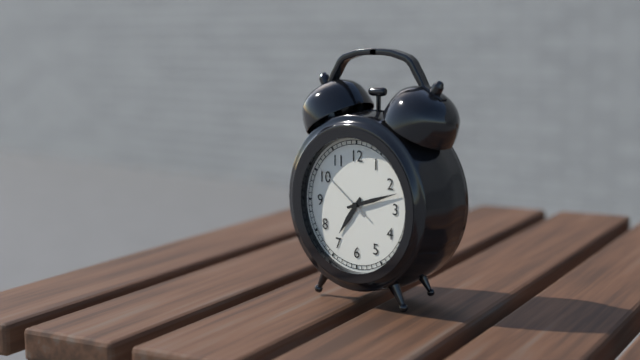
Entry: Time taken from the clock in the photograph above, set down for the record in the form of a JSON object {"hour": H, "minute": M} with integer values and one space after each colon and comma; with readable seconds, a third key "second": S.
{"hour": 7, "minute": 12, "second": 51}
